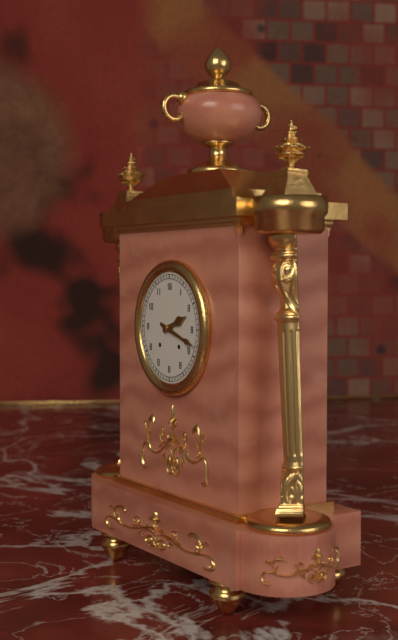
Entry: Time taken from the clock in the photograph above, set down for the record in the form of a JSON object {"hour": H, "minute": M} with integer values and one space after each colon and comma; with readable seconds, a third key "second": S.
{"hour": 2, "minute": 18}
